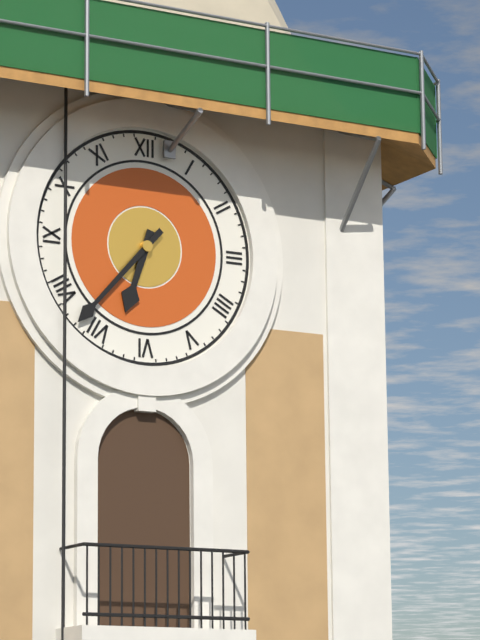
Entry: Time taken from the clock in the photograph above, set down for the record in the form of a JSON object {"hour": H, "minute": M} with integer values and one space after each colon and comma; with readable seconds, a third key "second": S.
{"hour": 6, "minute": 37}
